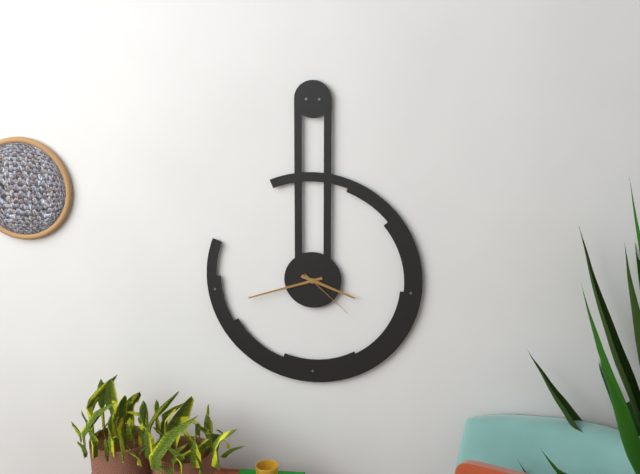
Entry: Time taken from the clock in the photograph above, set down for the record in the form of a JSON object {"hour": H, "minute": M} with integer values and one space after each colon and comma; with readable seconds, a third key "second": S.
{"hour": 3, "minute": 42, "second": 22}
